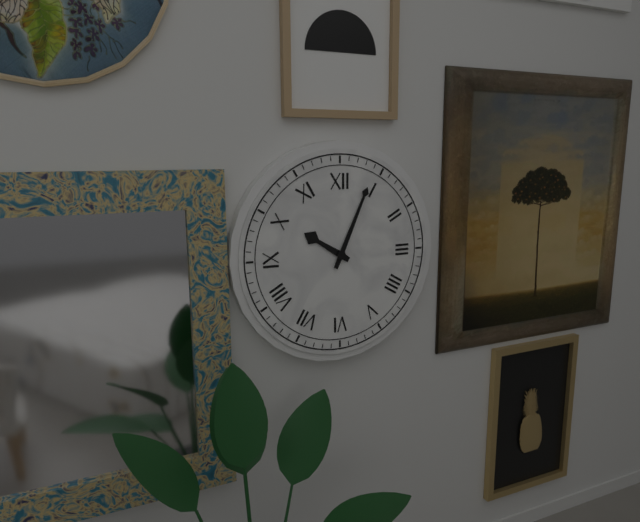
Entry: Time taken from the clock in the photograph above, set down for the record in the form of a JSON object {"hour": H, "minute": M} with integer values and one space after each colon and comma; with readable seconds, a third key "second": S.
{"hour": 10, "minute": 4}
